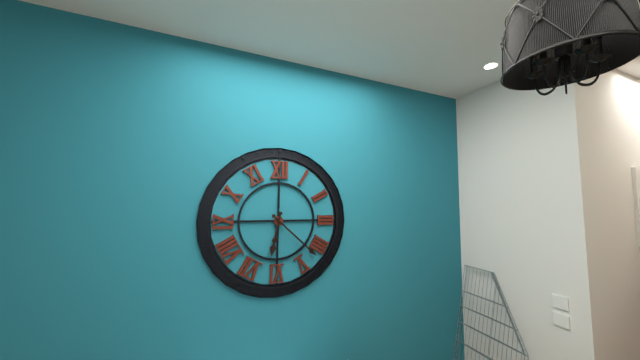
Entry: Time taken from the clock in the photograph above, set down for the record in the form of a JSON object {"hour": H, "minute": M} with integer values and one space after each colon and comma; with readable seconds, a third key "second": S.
{"hour": 6, "minute": 22}
